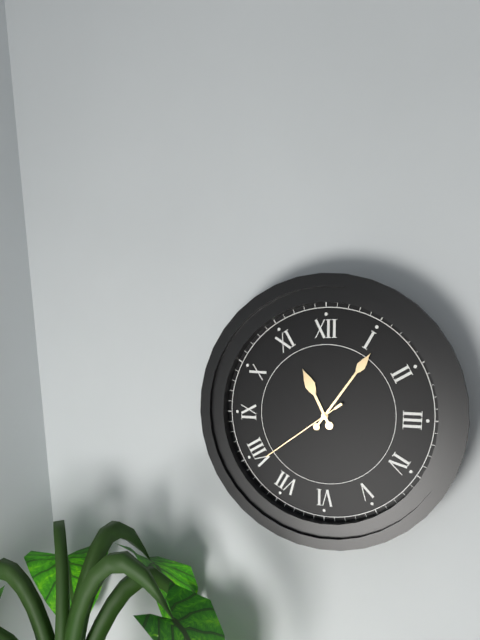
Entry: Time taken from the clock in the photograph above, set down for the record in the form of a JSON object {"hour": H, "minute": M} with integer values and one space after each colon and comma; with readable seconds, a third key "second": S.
{"hour": 11, "minute": 6, "second": 39}
